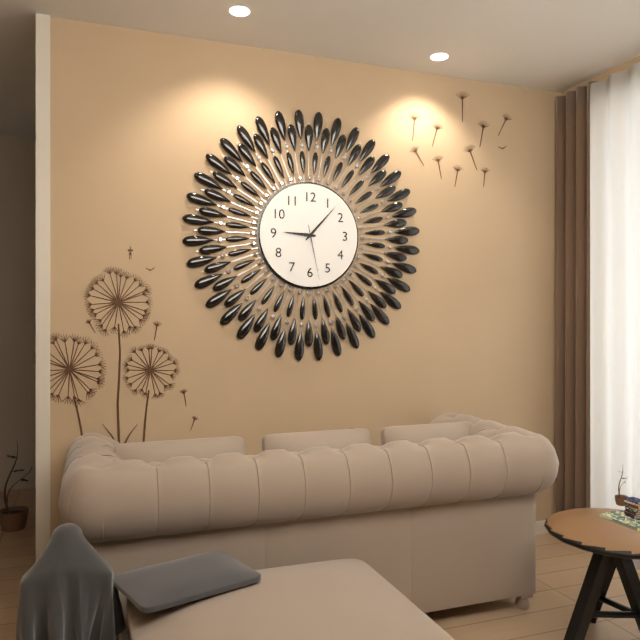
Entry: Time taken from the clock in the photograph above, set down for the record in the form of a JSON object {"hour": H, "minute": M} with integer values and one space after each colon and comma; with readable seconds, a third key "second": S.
{"hour": 9, "minute": 7, "second": 28}
